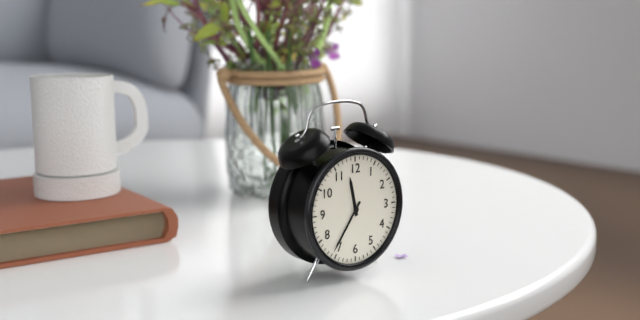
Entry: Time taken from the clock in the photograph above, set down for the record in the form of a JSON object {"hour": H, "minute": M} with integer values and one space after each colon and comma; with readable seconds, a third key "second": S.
{"hour": 11, "minute": 36}
